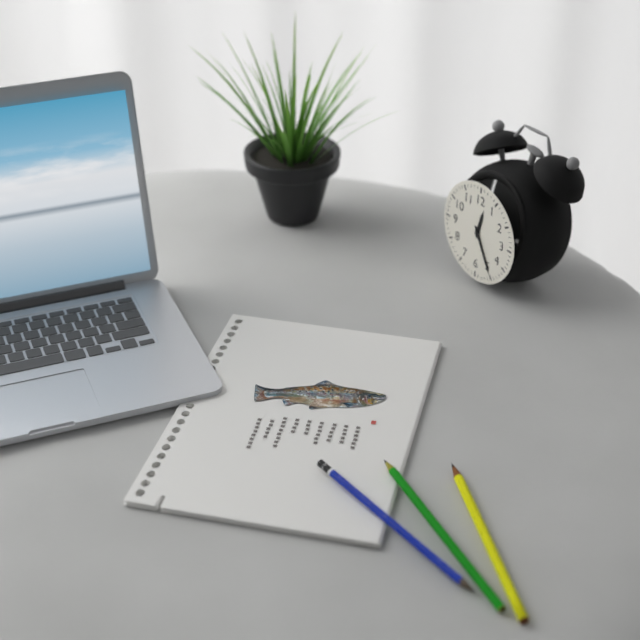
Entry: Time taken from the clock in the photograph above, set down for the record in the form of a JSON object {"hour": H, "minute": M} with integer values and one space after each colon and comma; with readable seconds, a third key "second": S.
{"hour": 12, "minute": 25}
